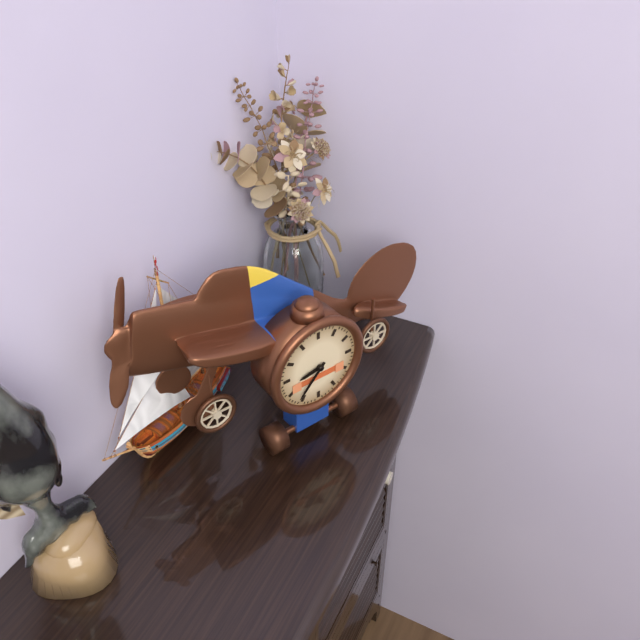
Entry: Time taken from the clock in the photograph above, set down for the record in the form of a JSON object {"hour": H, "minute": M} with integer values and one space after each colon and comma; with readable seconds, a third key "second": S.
{"hour": 8, "minute": 37}
